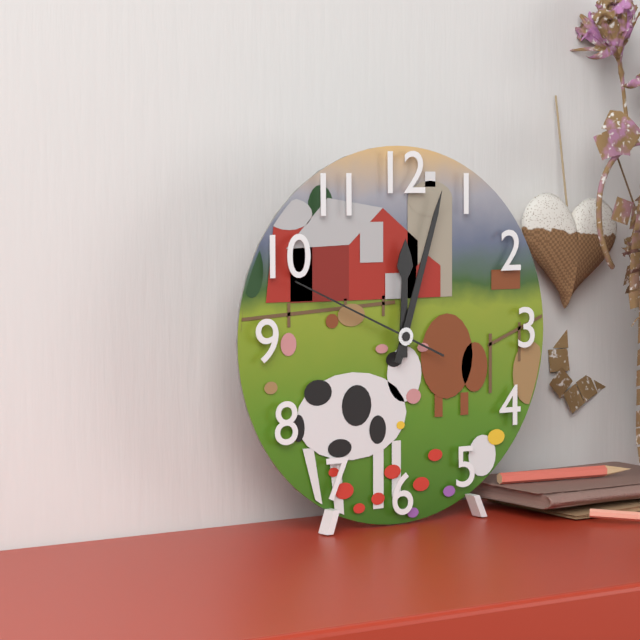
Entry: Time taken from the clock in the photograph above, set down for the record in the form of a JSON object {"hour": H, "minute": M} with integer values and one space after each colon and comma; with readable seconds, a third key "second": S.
{"hour": 12, "minute": 3, "second": 49}
